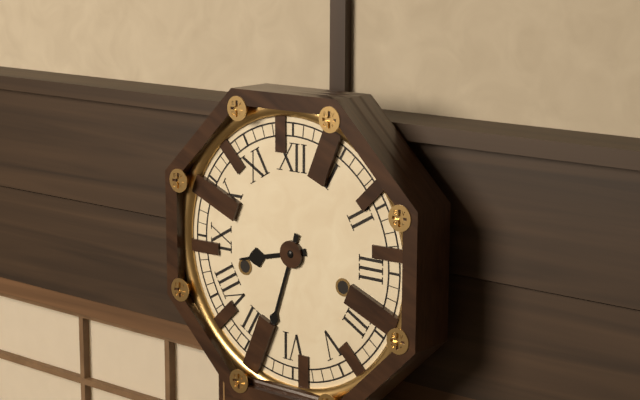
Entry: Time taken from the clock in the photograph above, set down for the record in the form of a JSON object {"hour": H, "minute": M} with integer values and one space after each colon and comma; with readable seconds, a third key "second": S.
{"hour": 8, "minute": 33}
